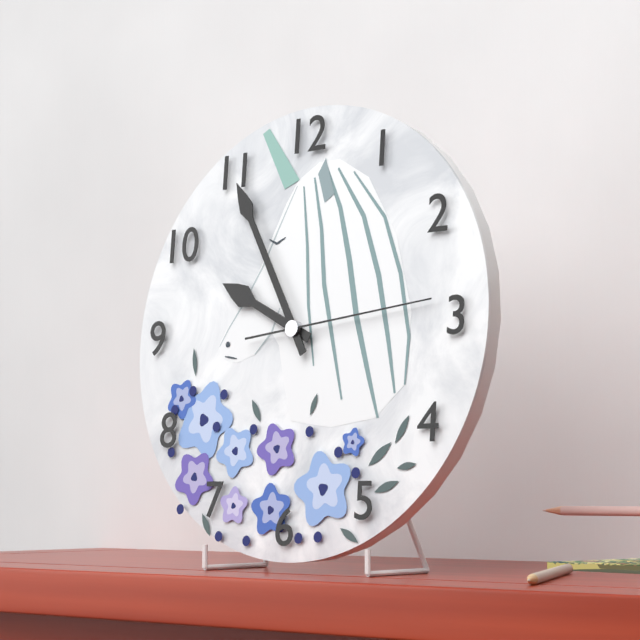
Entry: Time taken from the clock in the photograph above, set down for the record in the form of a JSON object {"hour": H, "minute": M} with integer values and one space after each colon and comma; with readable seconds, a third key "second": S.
{"hour": 9, "minute": 55, "second": 14}
